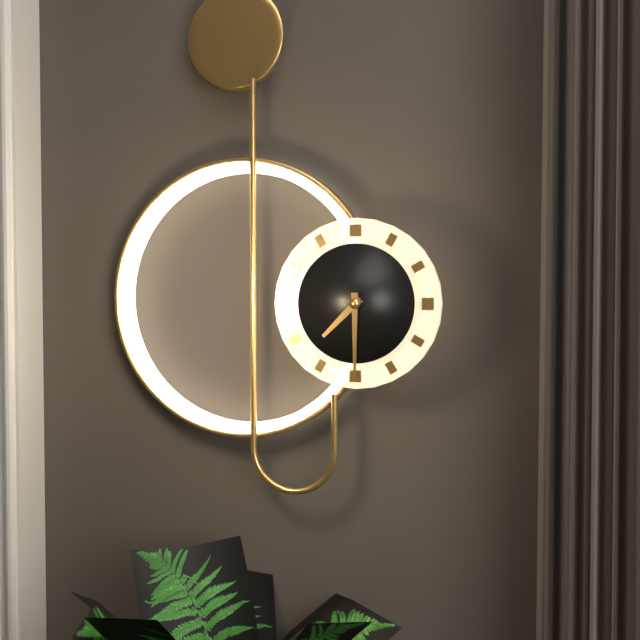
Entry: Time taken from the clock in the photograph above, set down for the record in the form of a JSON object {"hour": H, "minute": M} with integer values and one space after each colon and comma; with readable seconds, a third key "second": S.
{"hour": 7, "minute": 30}
